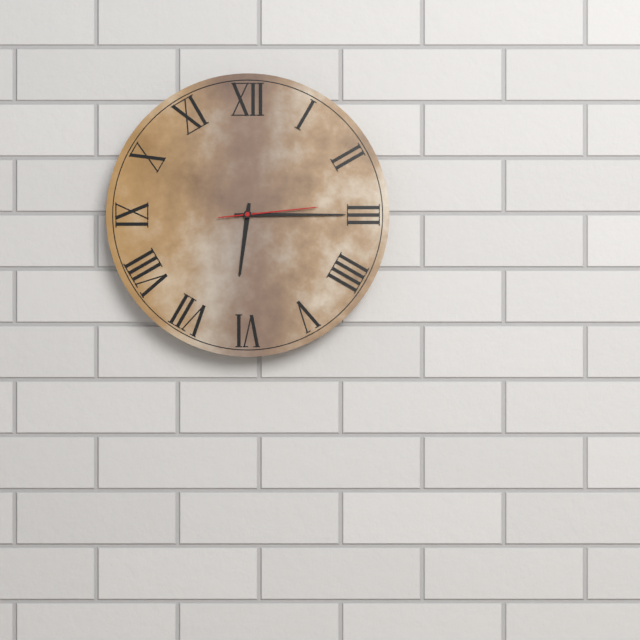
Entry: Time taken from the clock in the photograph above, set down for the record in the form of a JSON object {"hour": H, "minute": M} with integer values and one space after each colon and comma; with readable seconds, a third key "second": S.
{"hour": 6, "minute": 15, "second": 14}
